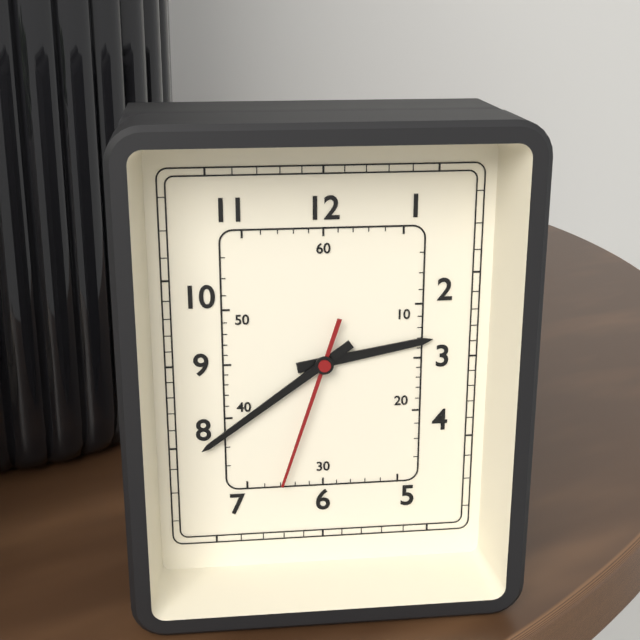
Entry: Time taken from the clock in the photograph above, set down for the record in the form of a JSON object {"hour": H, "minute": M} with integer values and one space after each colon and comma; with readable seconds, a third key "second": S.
{"hour": 2, "minute": 39, "second": 33}
